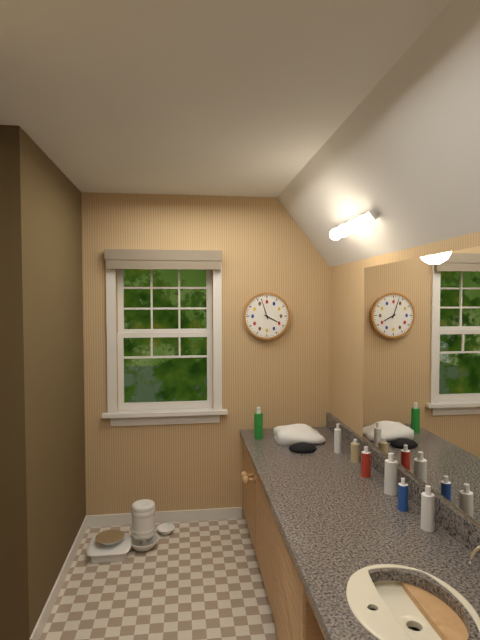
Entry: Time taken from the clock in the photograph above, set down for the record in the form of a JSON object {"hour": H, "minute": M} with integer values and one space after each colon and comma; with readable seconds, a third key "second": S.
{"hour": 3, "minute": 57}
